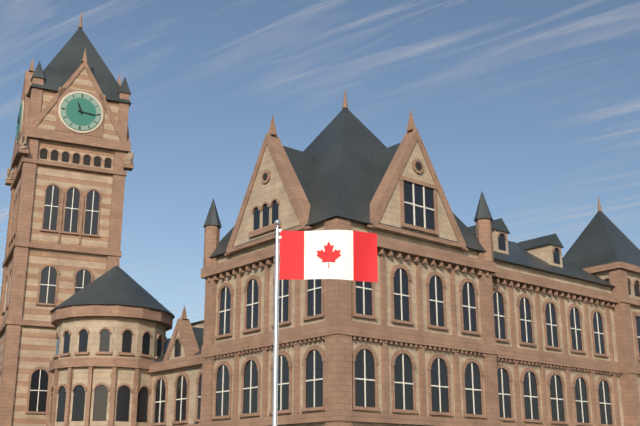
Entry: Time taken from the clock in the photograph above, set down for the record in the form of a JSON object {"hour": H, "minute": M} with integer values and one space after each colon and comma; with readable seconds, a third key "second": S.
{"hour": 11, "minute": 16}
